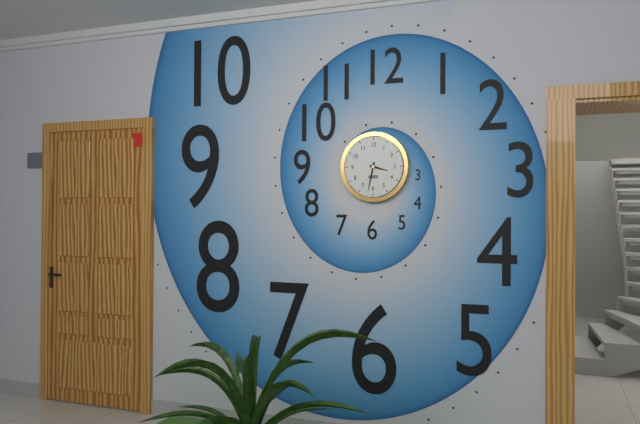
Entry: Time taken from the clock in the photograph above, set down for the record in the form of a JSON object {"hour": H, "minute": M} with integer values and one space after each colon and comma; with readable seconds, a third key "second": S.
{"hour": 3, "minute": 32}
